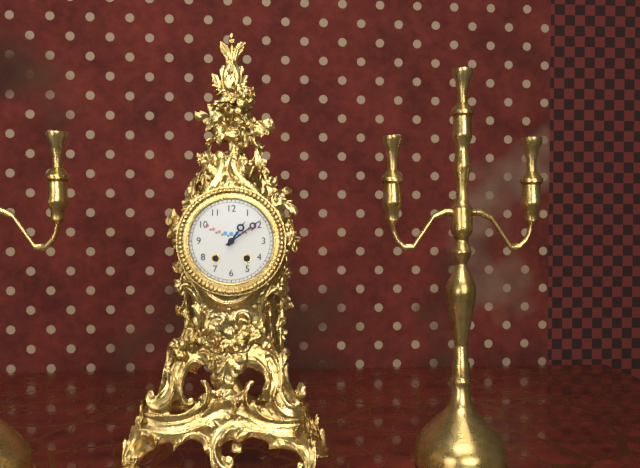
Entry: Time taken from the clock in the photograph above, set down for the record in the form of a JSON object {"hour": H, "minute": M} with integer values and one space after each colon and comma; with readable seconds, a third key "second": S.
{"hour": 1, "minute": 9}
